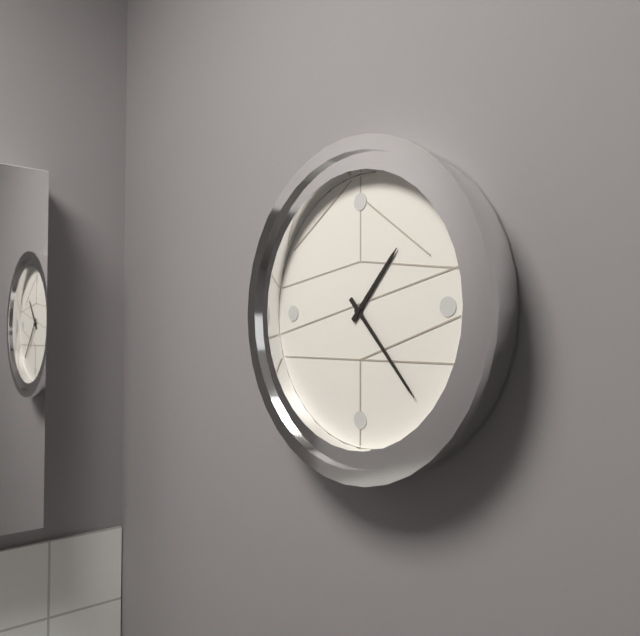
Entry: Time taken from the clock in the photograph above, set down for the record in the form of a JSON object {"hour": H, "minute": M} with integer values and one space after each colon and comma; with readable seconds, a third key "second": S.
{"hour": 1, "minute": 23}
